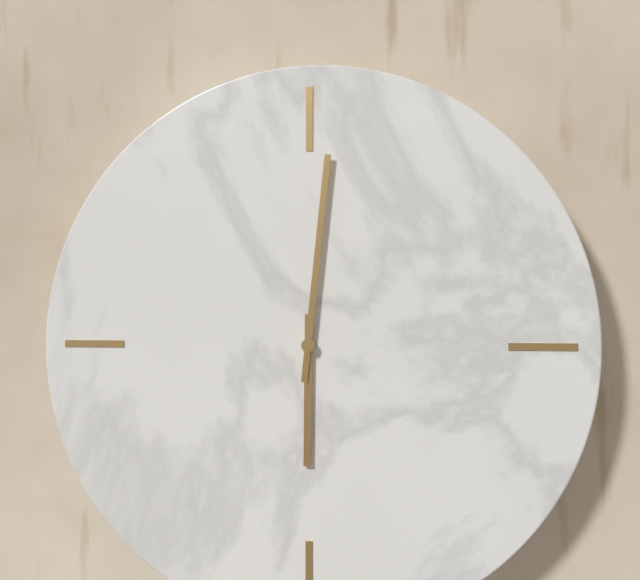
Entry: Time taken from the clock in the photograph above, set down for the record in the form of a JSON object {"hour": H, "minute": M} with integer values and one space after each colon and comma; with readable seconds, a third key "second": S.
{"hour": 6, "minute": 1}
